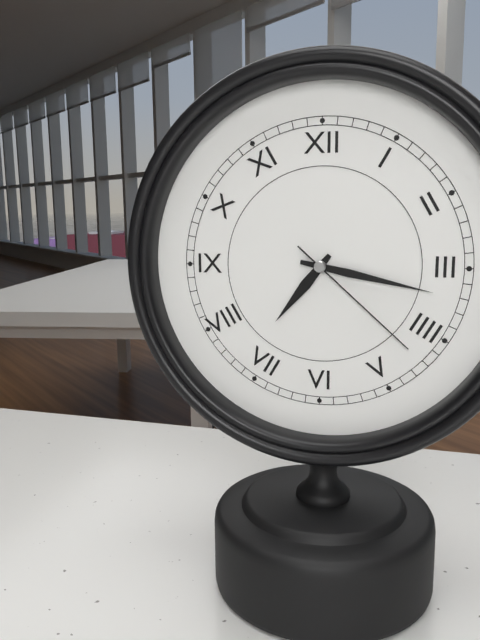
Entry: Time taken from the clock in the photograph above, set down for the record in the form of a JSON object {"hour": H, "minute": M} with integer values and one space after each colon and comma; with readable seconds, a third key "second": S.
{"hour": 7, "minute": 17, "second": 22}
